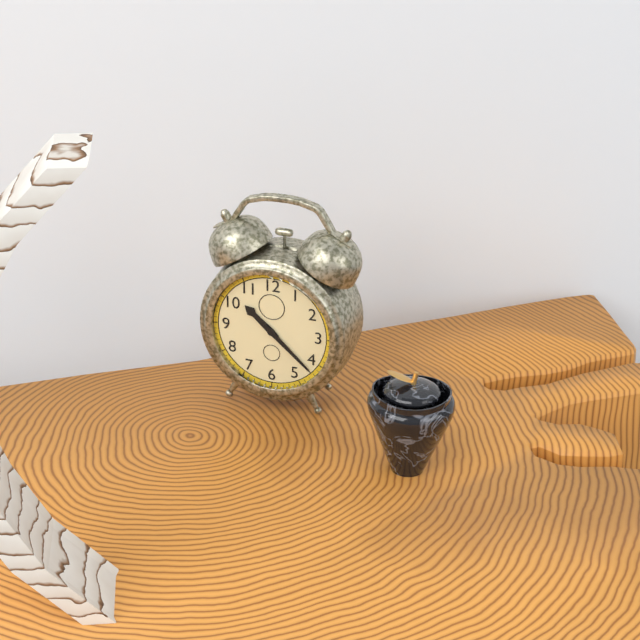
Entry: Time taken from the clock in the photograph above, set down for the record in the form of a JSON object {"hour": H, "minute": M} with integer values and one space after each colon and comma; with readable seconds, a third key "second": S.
{"hour": 10, "minute": 22}
